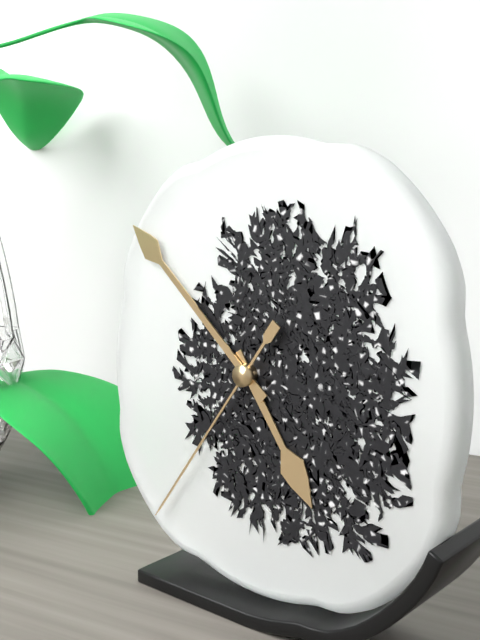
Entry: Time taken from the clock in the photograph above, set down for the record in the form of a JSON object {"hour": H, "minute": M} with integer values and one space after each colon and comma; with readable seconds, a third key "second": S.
{"hour": 4, "minute": 52, "second": 36}
